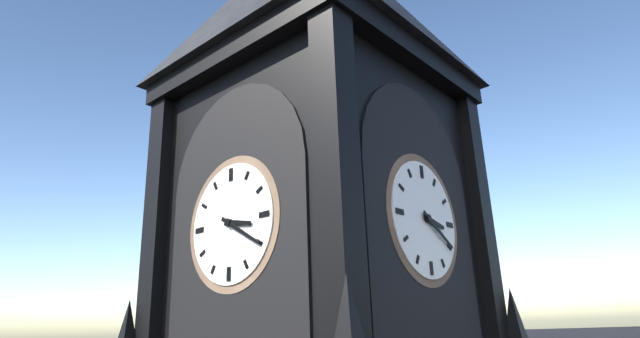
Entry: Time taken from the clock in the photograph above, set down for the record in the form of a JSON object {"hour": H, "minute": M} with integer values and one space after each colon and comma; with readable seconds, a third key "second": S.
{"hour": 3, "minute": 20}
